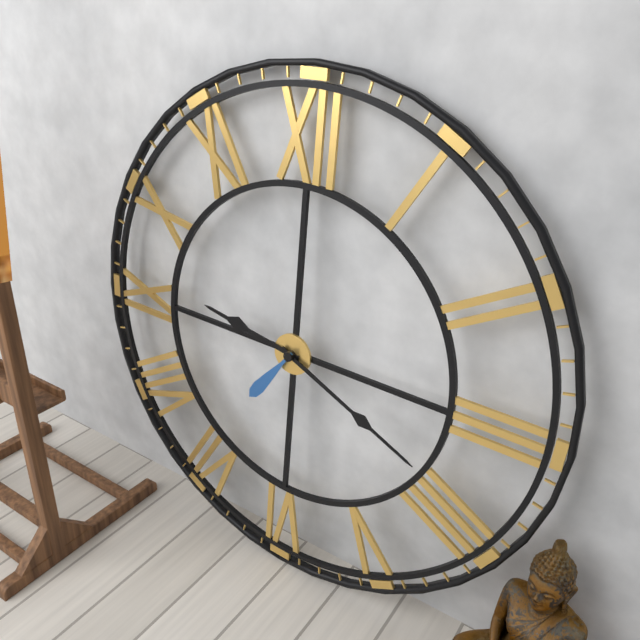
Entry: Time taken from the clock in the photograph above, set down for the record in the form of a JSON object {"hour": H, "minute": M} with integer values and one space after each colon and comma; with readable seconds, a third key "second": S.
{"hour": 9, "minute": 19, "second": 36}
